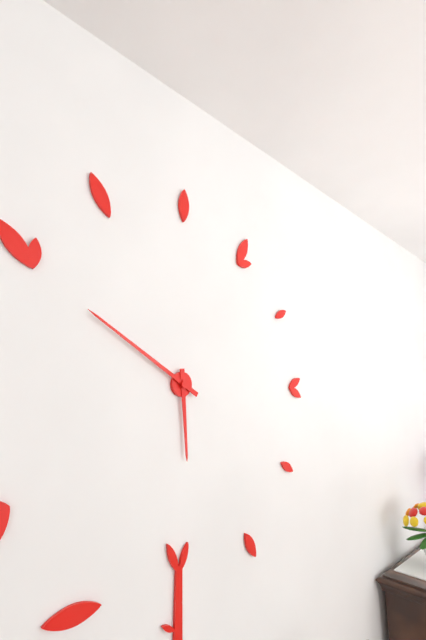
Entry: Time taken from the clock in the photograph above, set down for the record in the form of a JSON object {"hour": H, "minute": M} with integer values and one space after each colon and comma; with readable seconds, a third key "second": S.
{"hour": 5, "minute": 50}
